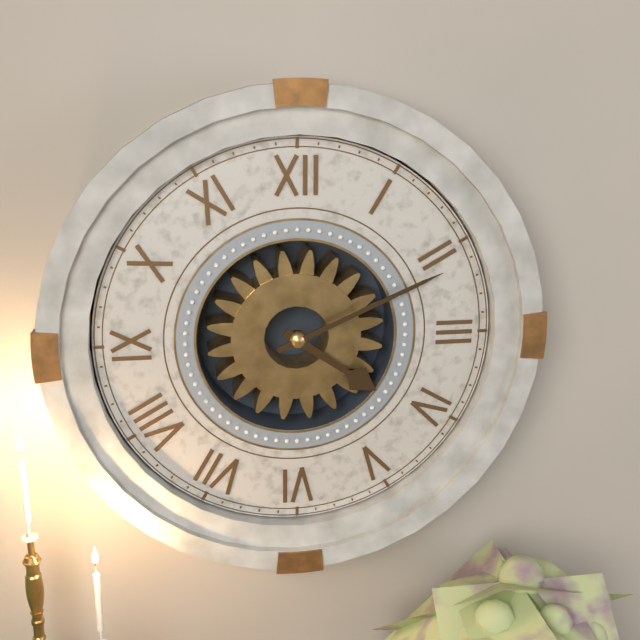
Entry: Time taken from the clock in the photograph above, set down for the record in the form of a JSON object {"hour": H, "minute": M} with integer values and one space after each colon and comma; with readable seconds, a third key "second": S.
{"hour": 4, "minute": 11}
